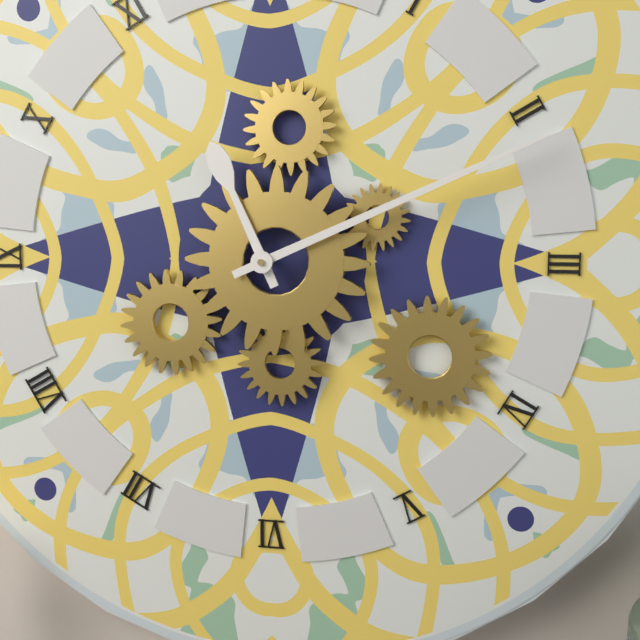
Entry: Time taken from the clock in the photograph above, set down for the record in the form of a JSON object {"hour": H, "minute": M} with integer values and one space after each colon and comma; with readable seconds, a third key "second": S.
{"hour": 11, "minute": 11}
